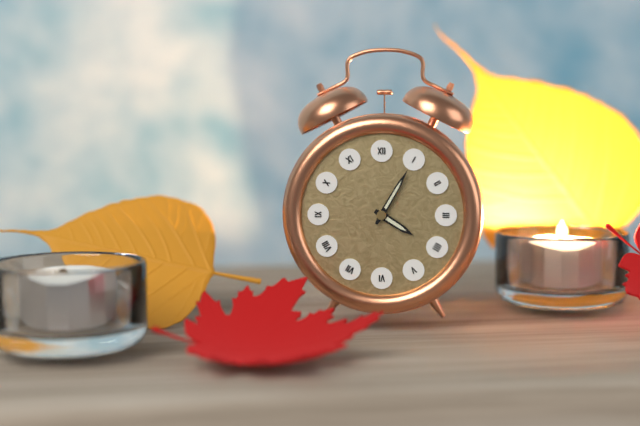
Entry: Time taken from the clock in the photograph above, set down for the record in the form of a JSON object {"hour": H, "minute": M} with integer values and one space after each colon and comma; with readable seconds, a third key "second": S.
{"hour": 4, "minute": 5}
